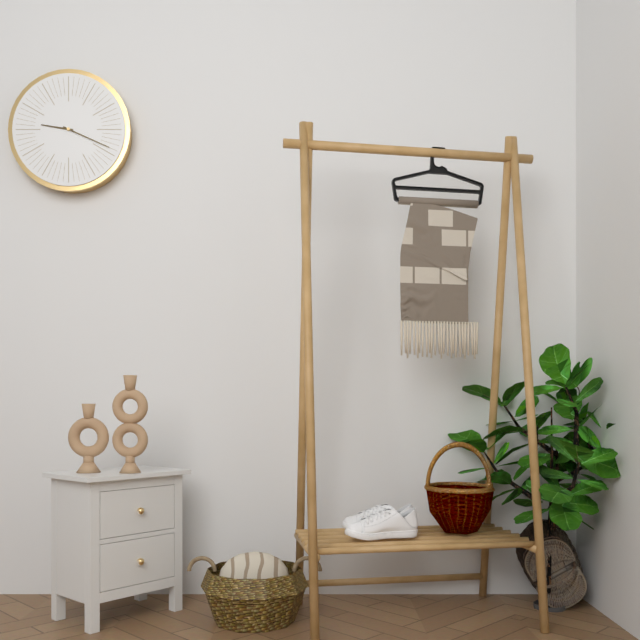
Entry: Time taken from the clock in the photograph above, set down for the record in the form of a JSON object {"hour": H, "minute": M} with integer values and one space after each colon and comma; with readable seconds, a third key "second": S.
{"hour": 9, "minute": 19}
